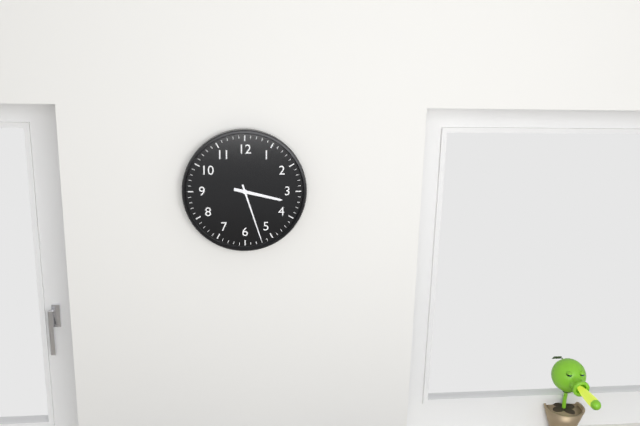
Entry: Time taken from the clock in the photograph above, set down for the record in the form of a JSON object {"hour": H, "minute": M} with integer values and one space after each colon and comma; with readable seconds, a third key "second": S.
{"hour": 3, "minute": 27}
